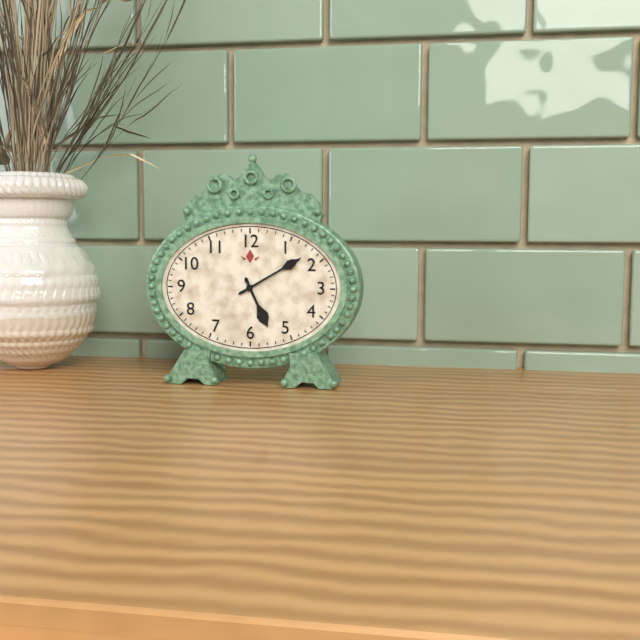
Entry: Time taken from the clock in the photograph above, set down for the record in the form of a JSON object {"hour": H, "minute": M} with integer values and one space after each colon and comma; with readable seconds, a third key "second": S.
{"hour": 5, "minute": 10}
